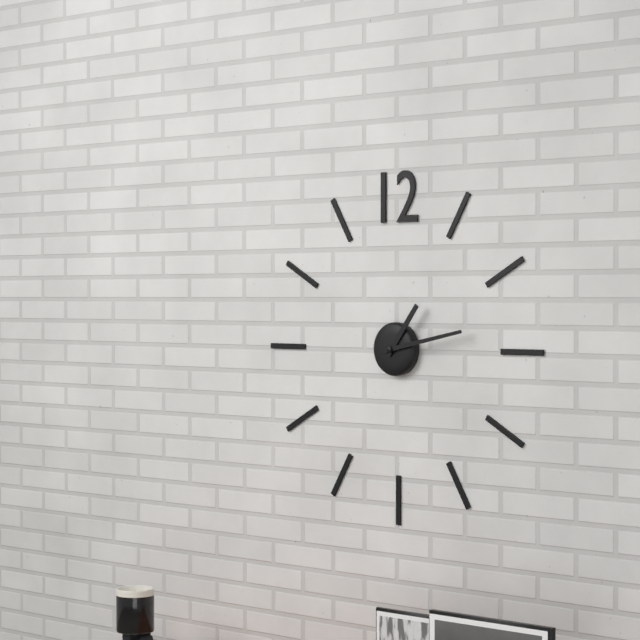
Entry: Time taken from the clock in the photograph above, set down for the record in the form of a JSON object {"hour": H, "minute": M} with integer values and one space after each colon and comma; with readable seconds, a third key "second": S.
{"hour": 1, "minute": 13}
